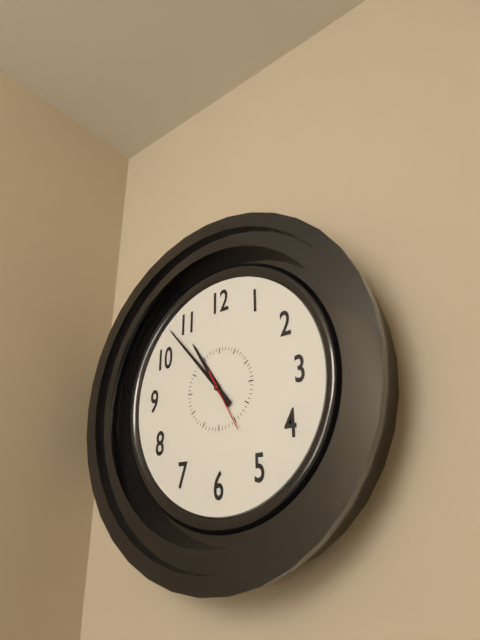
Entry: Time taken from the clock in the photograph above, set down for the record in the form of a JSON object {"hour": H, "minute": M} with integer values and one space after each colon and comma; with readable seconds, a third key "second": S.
{"hour": 10, "minute": 53, "second": 25}
